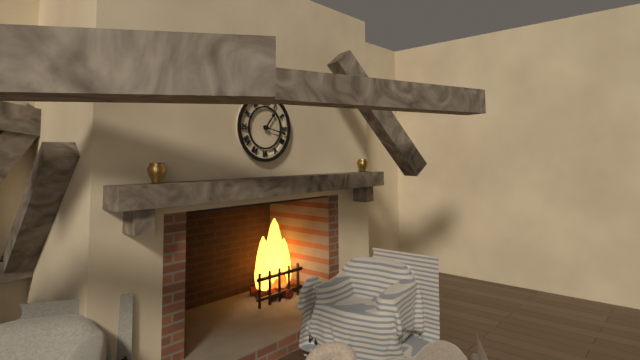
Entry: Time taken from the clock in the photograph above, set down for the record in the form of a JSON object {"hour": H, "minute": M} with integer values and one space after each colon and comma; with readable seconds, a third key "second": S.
{"hour": 1, "minute": 17}
